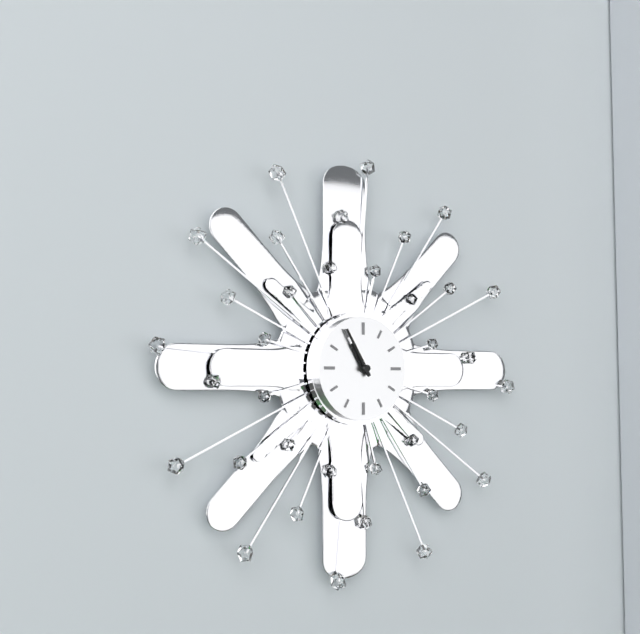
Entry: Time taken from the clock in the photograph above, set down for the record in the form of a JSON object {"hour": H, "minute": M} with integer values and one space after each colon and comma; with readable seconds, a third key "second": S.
{"hour": 10, "minute": 55}
